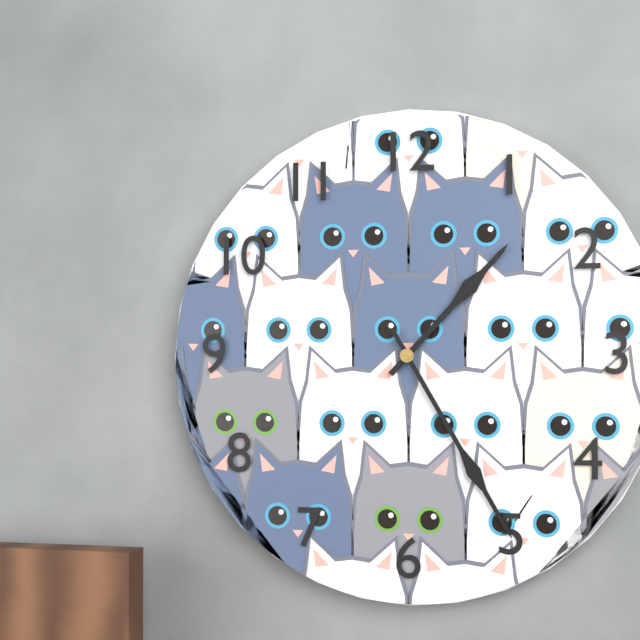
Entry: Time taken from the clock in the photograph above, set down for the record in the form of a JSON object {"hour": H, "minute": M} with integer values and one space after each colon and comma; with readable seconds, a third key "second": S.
{"hour": 1, "minute": 25}
